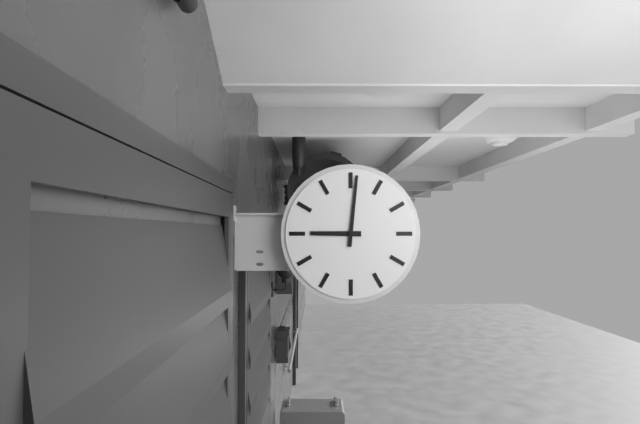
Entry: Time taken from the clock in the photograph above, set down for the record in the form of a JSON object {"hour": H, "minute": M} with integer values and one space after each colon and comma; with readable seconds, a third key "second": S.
{"hour": 9, "minute": 1}
